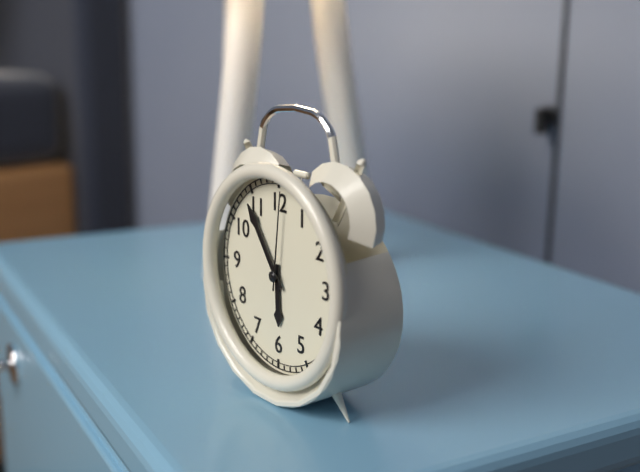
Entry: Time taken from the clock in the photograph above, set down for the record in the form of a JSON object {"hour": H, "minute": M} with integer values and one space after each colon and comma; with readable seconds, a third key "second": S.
{"hour": 5, "minute": 54, "second": 1}
